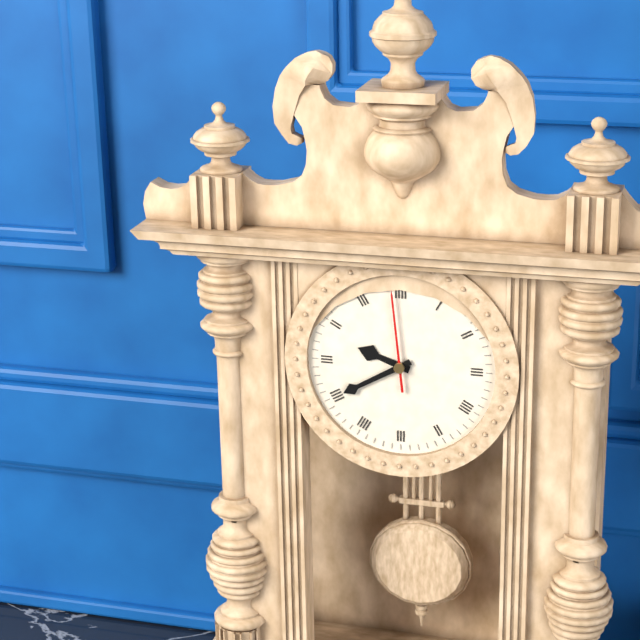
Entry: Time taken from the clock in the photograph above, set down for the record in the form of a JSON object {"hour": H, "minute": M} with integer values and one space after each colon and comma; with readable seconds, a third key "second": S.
{"hour": 9, "minute": 40, "second": 59}
